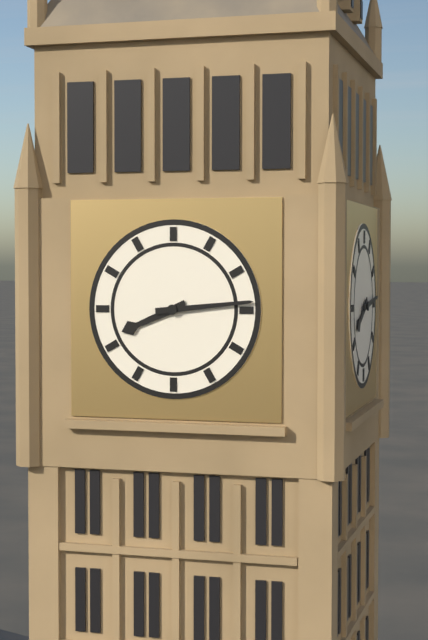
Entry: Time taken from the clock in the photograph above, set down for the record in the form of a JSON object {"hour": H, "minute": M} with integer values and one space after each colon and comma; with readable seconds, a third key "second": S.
{"hour": 8, "minute": 14}
